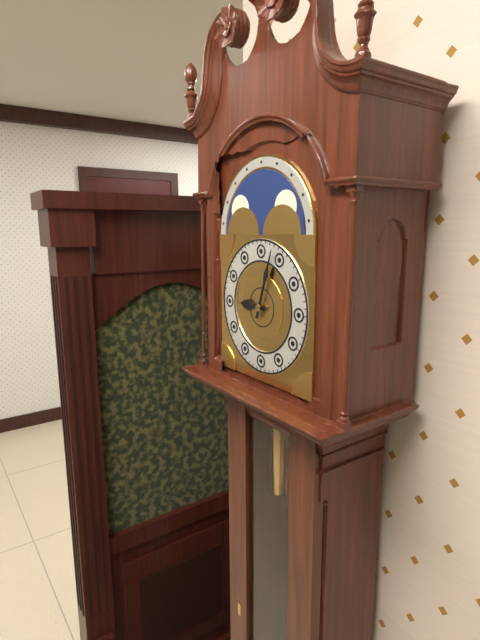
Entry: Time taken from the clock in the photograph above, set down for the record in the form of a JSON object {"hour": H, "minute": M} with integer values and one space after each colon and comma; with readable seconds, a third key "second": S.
{"hour": 9, "minute": 3}
